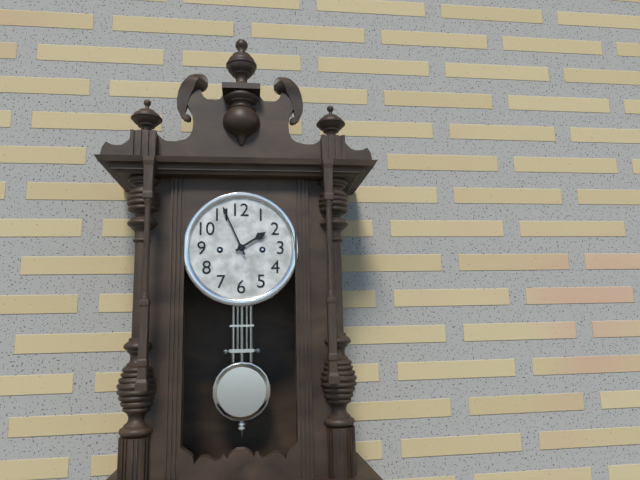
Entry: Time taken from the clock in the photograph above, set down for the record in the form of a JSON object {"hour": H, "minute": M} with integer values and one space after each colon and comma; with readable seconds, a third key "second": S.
{"hour": 1, "minute": 56}
